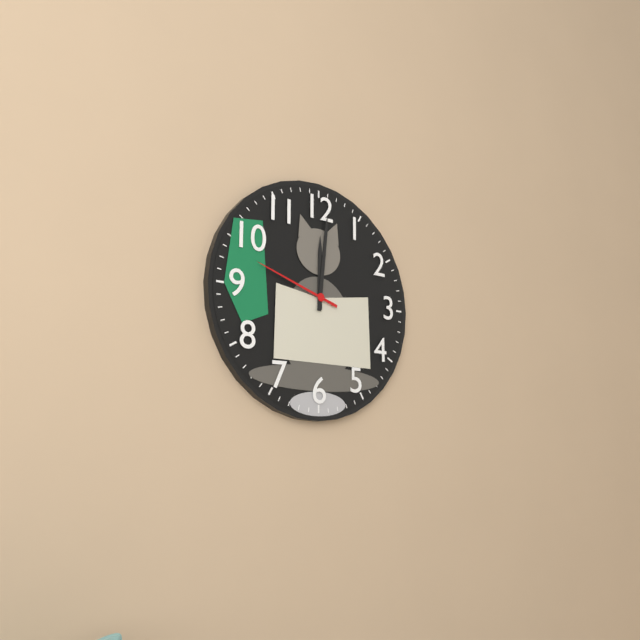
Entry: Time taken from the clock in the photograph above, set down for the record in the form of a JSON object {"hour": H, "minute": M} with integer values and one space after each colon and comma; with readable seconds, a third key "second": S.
{"hour": 12, "minute": 1, "second": 48}
